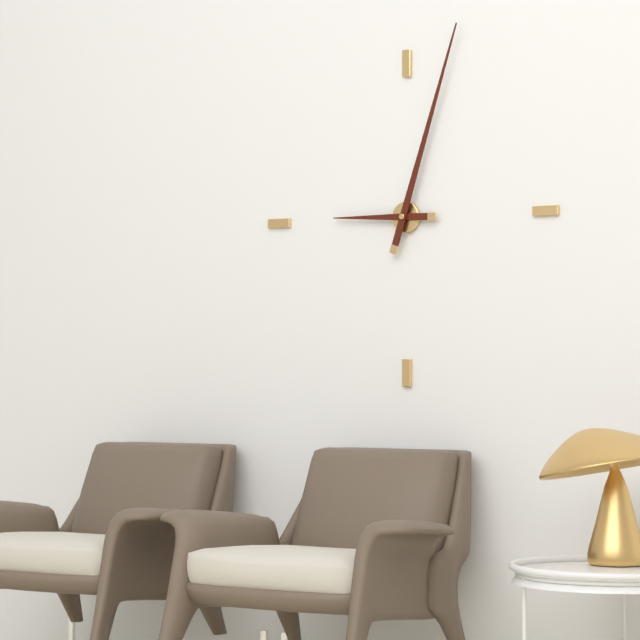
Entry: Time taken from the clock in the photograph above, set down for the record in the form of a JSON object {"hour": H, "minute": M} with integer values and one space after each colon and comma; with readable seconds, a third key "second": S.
{"hour": 9, "minute": 3}
